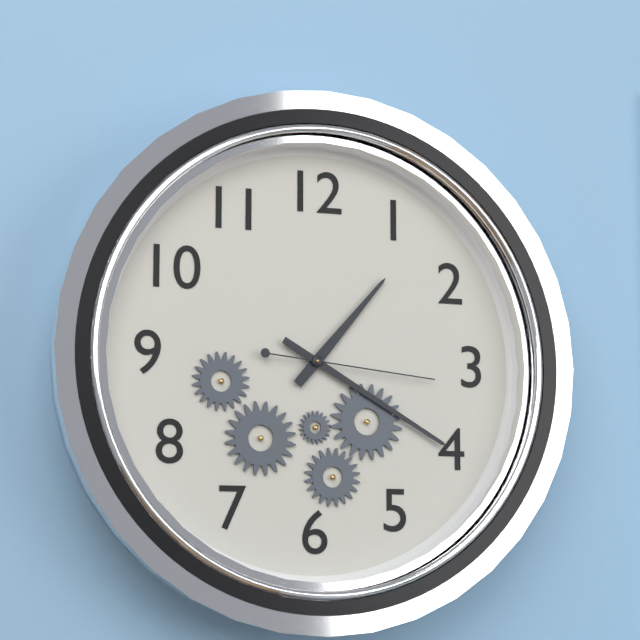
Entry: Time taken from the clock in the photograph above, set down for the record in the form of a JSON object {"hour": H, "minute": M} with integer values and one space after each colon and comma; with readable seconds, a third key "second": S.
{"hour": 1, "minute": 20, "second": 16}
